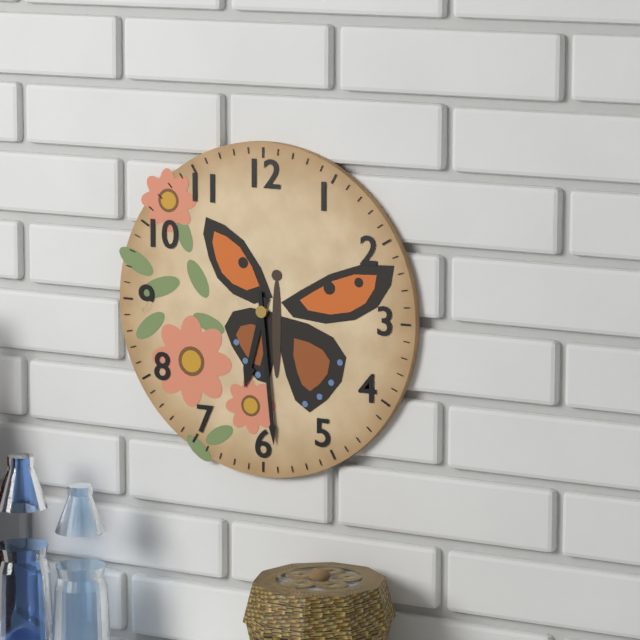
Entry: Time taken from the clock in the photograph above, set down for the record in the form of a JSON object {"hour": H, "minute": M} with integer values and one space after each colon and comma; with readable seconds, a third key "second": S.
{"hour": 6, "minute": 29}
